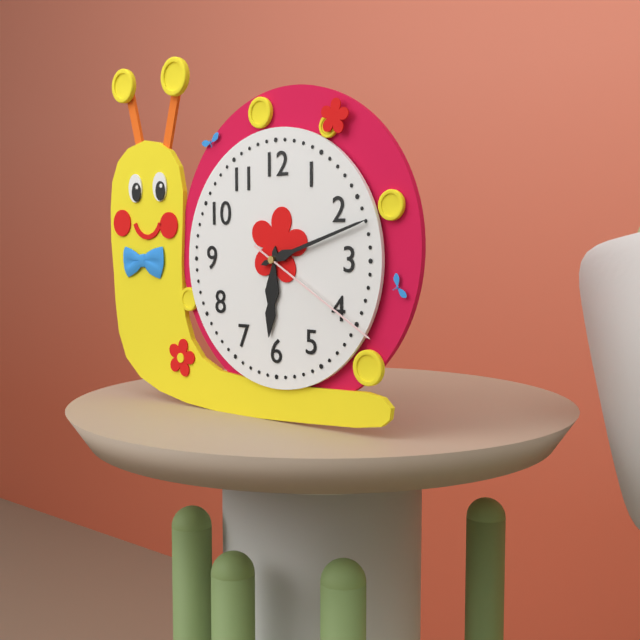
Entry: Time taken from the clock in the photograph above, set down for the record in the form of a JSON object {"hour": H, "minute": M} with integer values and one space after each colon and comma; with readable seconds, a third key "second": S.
{"hour": 6, "minute": 12, "second": 20}
